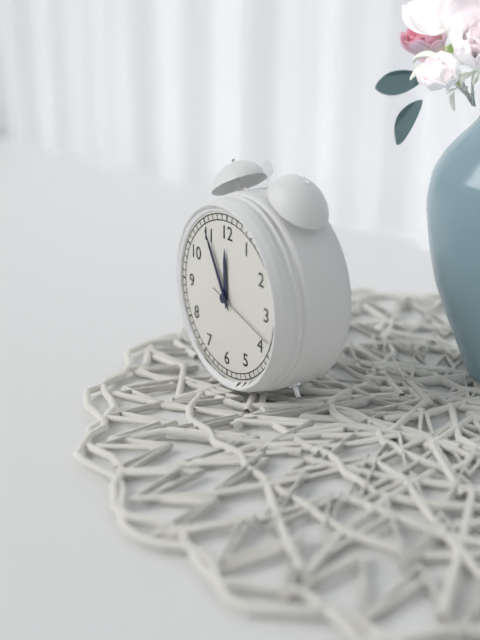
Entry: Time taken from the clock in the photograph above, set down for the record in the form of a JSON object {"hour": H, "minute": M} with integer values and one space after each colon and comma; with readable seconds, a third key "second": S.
{"hour": 11, "minute": 55, "second": 18}
